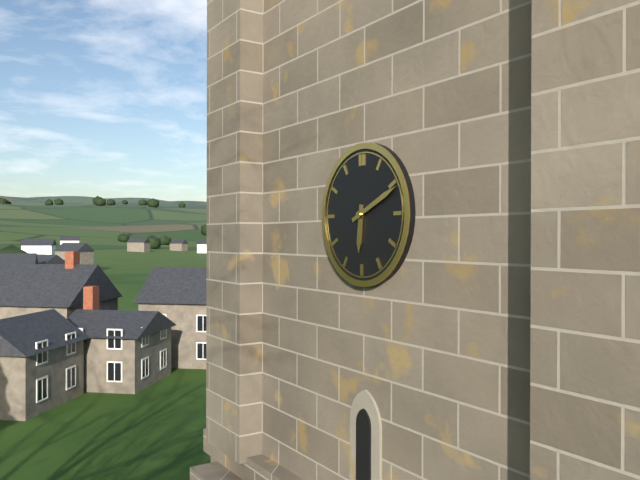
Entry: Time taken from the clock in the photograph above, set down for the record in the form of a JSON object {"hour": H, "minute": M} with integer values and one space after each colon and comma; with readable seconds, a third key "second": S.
{"hour": 6, "minute": 11}
